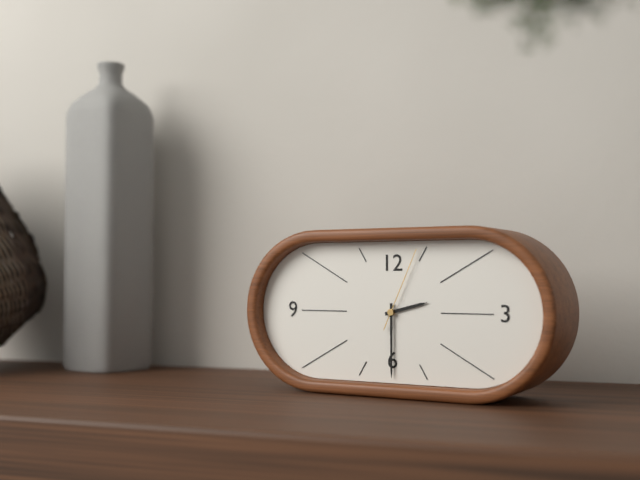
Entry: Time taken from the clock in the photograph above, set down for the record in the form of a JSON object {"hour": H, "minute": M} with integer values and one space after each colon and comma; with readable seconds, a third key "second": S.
{"hour": 2, "minute": 30, "second": 4}
